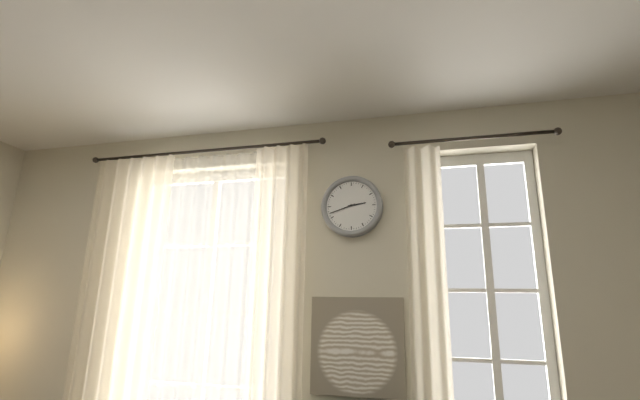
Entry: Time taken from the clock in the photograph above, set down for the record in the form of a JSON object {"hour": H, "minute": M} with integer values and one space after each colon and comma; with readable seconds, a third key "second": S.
{"hour": 2, "minute": 42}
